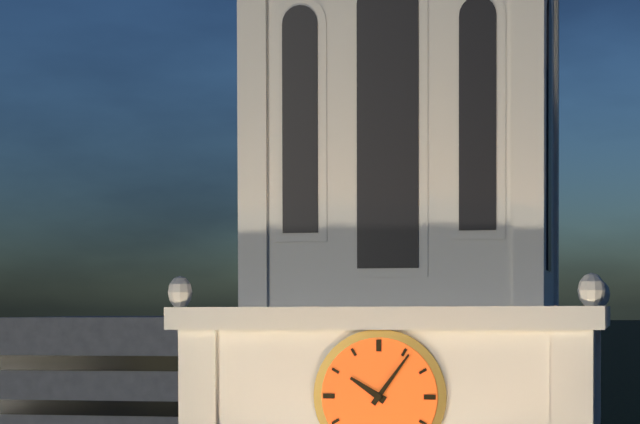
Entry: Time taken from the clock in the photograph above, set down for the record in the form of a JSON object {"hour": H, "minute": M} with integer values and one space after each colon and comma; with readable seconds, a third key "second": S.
{"hour": 10, "minute": 6}
